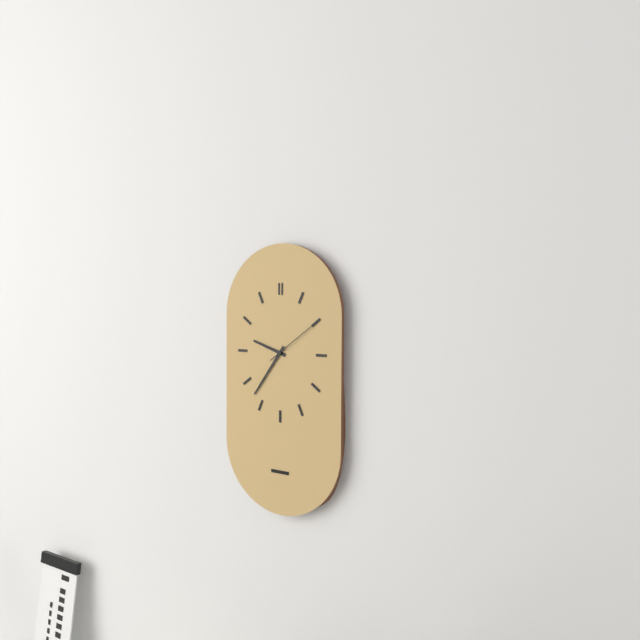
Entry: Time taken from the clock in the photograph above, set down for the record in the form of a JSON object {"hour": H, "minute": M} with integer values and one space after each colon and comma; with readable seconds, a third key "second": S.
{"hour": 9, "minute": 36, "second": 9}
